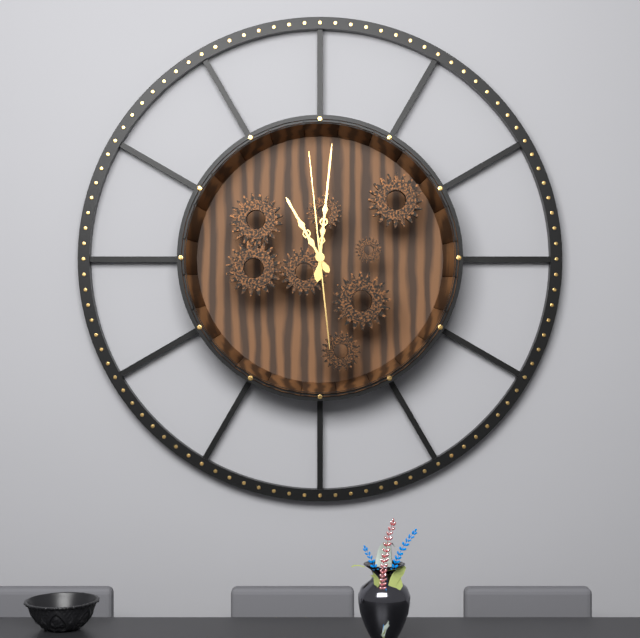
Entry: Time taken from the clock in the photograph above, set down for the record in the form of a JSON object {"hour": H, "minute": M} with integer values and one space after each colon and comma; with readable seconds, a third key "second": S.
{"hour": 11, "minute": 1, "second": 59}
